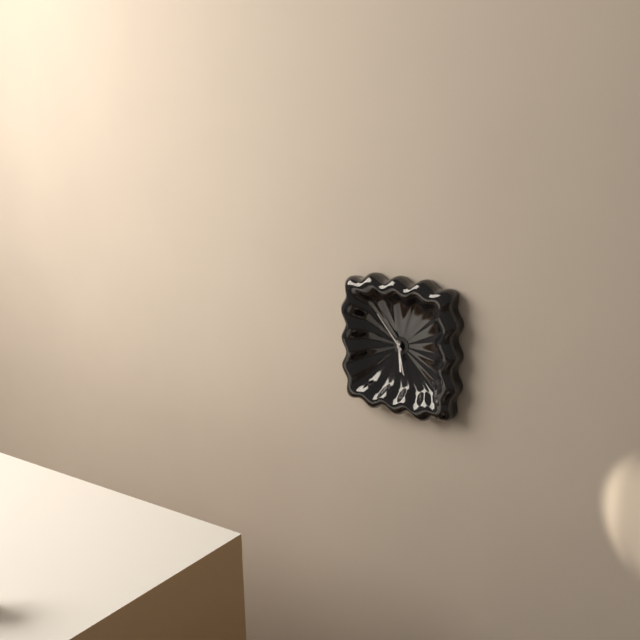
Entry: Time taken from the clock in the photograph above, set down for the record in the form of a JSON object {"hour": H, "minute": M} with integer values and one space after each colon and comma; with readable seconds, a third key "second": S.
{"hour": 5, "minute": 53}
